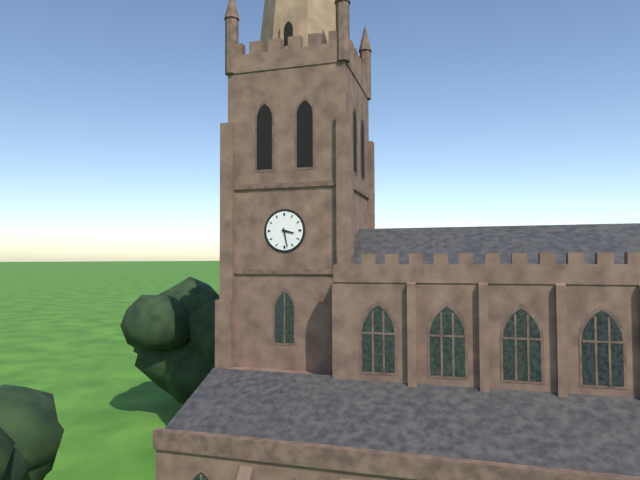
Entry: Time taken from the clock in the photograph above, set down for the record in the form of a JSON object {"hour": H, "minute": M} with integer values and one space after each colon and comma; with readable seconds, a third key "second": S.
{"hour": 3, "minute": 28}
